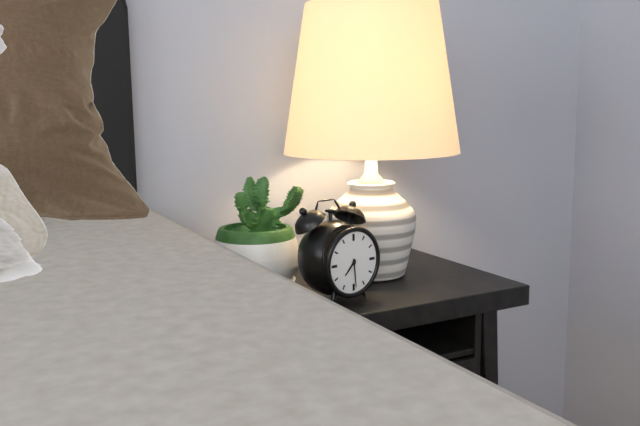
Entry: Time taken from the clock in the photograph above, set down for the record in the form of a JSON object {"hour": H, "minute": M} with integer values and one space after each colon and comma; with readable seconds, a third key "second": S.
{"hour": 7, "minute": 29}
